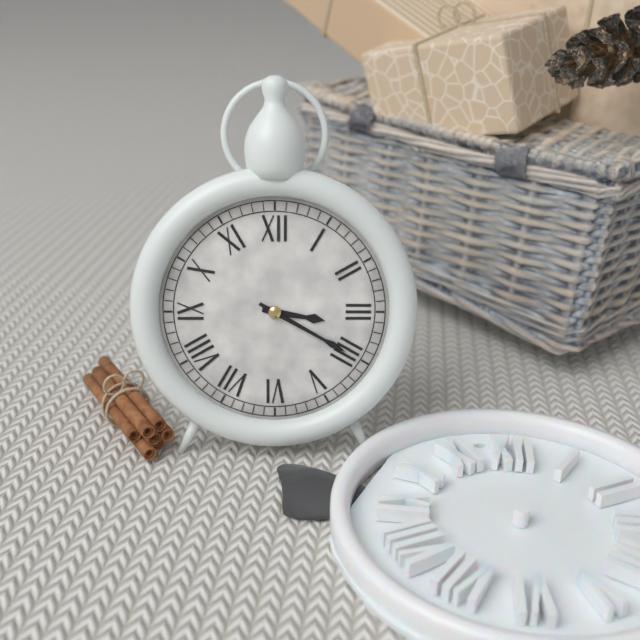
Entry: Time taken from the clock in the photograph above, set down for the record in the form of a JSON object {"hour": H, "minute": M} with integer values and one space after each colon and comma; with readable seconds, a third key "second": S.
{"hour": 3, "minute": 20}
